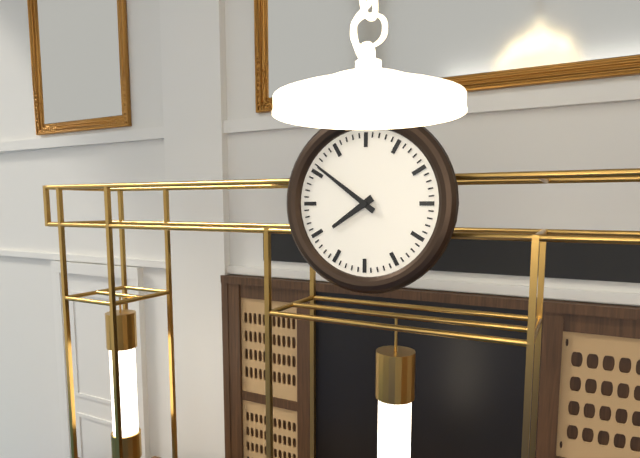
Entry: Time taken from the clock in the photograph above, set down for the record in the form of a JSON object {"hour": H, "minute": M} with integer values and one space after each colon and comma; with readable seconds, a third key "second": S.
{"hour": 7, "minute": 51}
